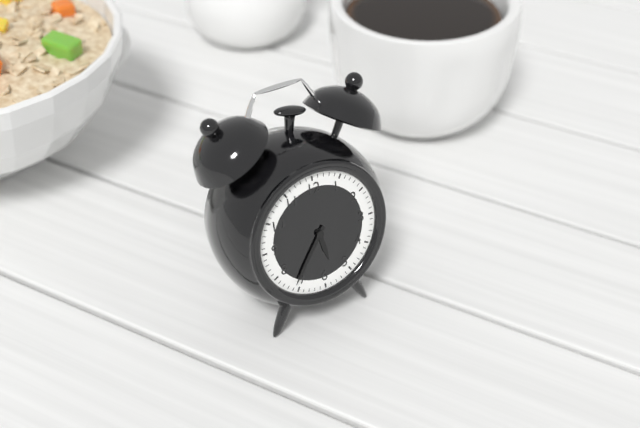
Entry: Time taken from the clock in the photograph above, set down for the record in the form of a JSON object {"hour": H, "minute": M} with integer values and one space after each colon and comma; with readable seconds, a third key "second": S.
{"hour": 5, "minute": 36}
